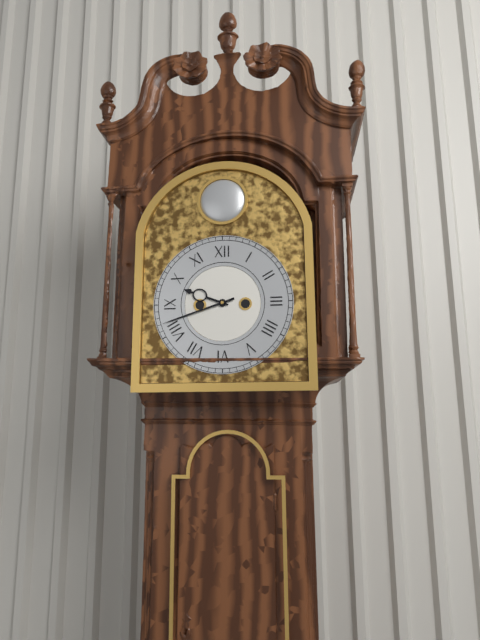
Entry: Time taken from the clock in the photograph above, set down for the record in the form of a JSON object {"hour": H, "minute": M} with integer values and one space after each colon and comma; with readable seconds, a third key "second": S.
{"hour": 9, "minute": 42}
